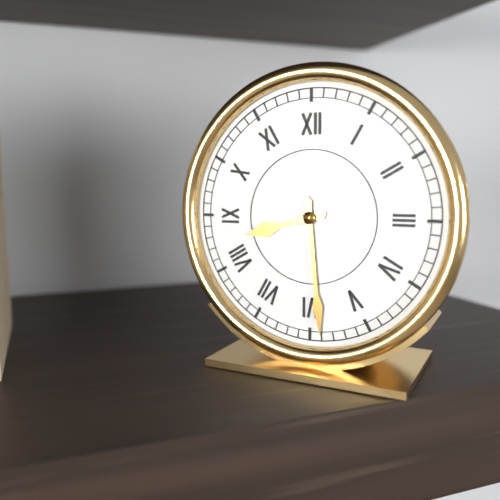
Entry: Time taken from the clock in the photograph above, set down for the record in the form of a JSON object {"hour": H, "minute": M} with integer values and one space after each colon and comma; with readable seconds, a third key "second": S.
{"hour": 8, "minute": 29}
